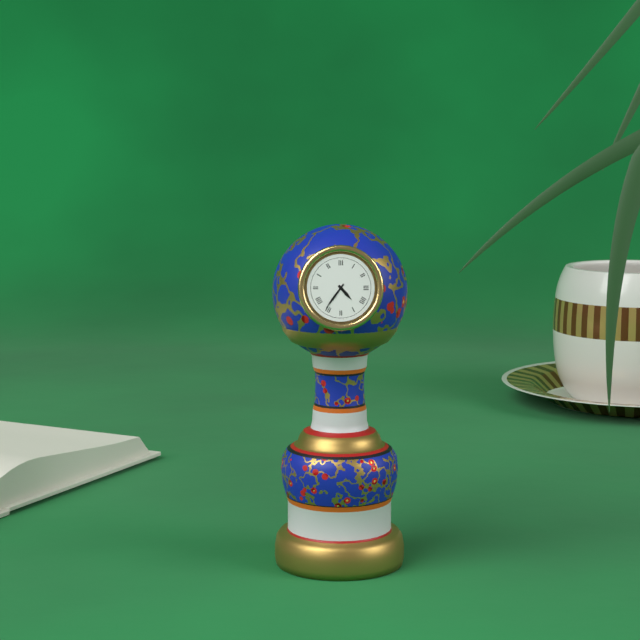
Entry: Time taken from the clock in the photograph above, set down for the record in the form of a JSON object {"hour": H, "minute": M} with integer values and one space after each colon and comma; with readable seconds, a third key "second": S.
{"hour": 4, "minute": 36}
